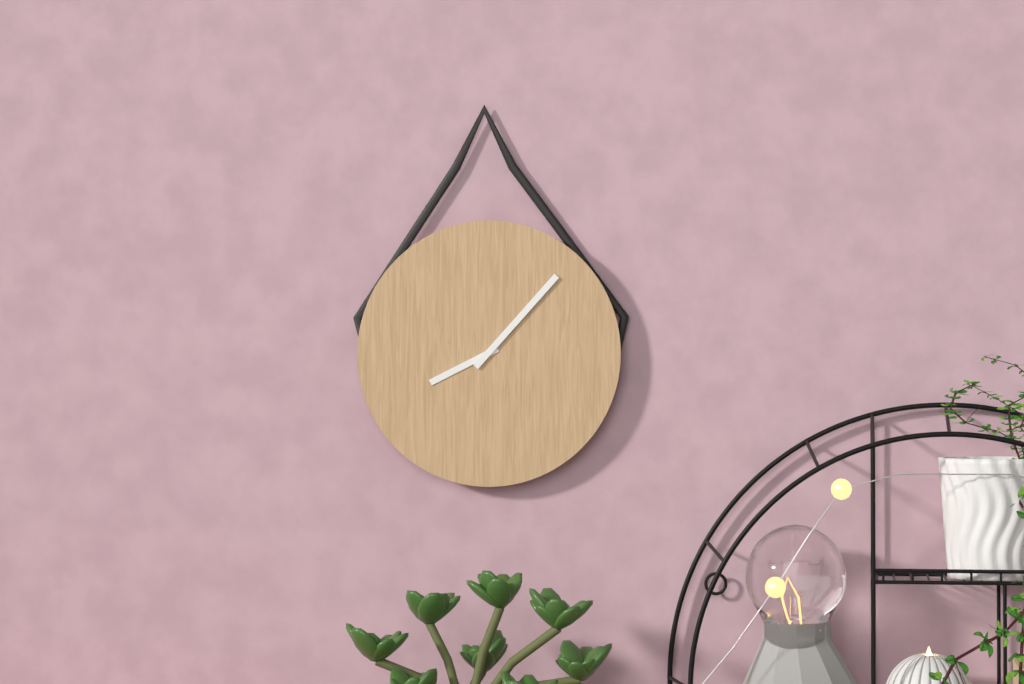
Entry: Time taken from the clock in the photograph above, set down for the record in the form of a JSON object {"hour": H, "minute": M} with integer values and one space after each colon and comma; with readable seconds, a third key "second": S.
{"hour": 8, "minute": 7}
